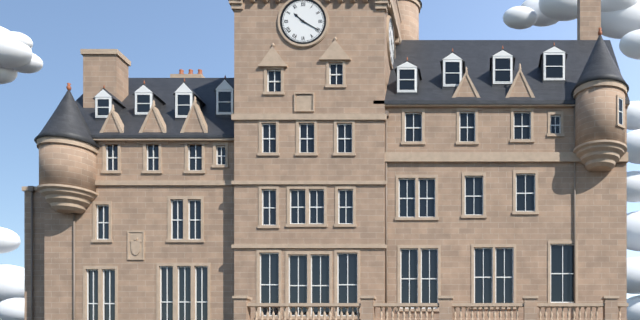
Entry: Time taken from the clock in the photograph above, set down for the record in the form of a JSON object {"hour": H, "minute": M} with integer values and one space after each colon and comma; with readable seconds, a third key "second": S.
{"hour": 10, "minute": 20}
